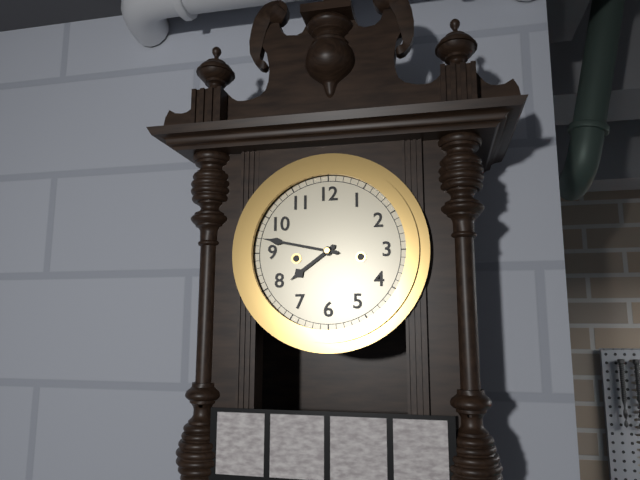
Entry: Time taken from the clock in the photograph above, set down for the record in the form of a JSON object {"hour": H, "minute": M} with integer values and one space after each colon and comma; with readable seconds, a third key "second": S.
{"hour": 7, "minute": 47}
